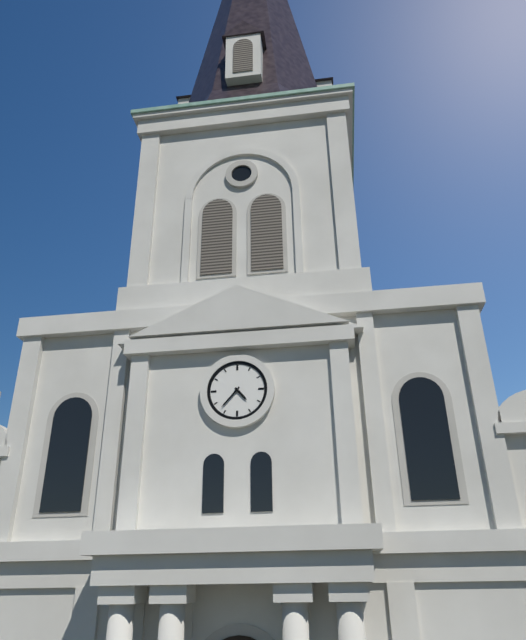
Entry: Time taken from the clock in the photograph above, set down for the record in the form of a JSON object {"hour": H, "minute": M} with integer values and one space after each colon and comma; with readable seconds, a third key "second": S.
{"hour": 4, "minute": 37}
